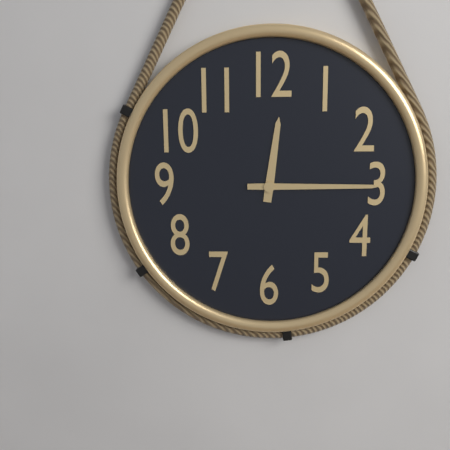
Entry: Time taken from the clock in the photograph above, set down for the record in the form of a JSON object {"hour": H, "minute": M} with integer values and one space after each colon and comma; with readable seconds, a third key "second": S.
{"hour": 12, "minute": 15}
